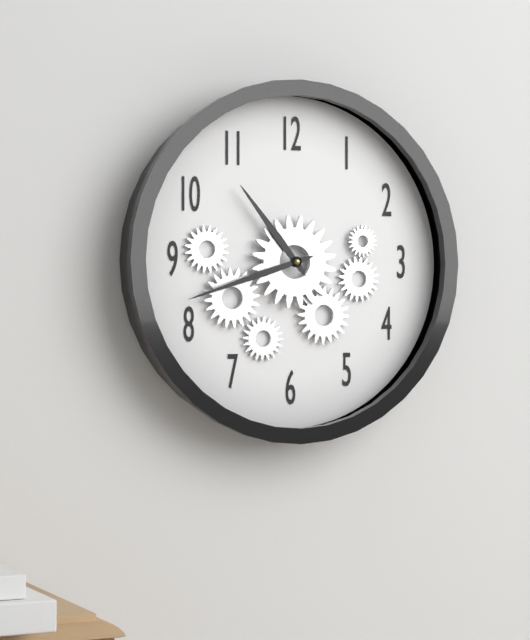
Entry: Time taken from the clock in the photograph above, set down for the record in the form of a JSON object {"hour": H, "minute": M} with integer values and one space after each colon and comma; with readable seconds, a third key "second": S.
{"hour": 10, "minute": 42}
